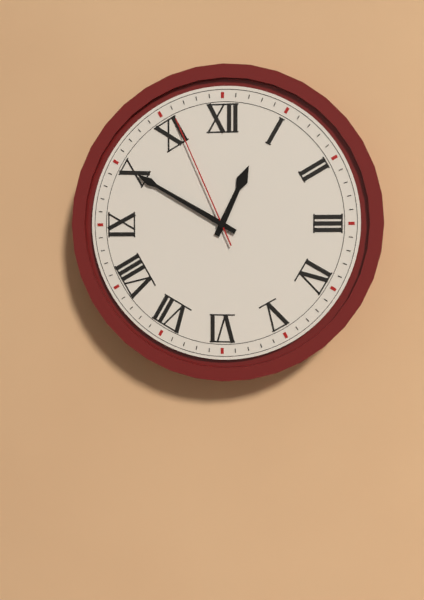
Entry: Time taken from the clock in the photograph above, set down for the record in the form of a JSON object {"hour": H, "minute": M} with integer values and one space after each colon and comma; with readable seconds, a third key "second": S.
{"hour": 12, "minute": 50, "second": 56}
